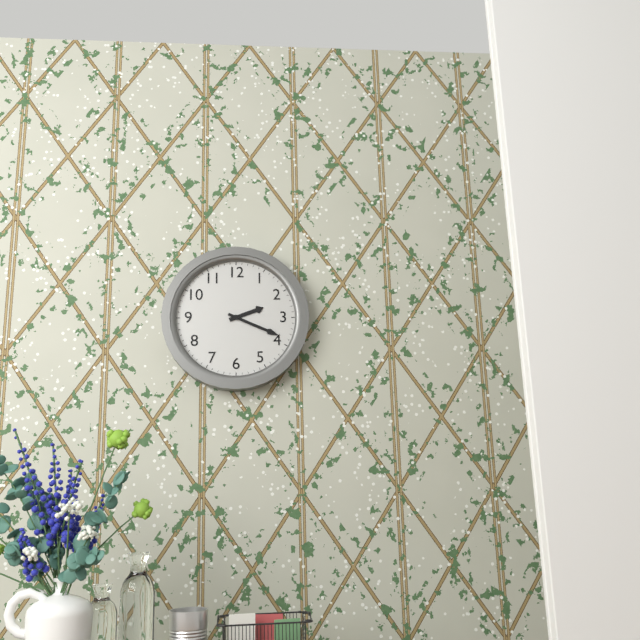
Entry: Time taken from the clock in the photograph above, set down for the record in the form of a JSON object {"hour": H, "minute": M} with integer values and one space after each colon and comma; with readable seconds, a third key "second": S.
{"hour": 2, "minute": 19}
